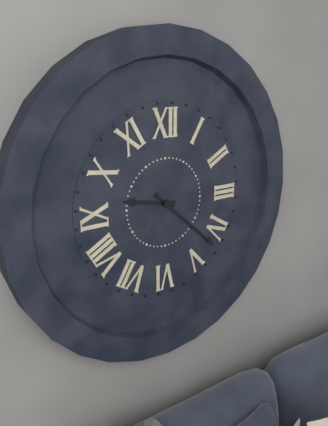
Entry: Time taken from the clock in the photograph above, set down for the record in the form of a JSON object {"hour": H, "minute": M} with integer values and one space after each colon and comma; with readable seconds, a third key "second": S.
{"hour": 9, "minute": 22}
